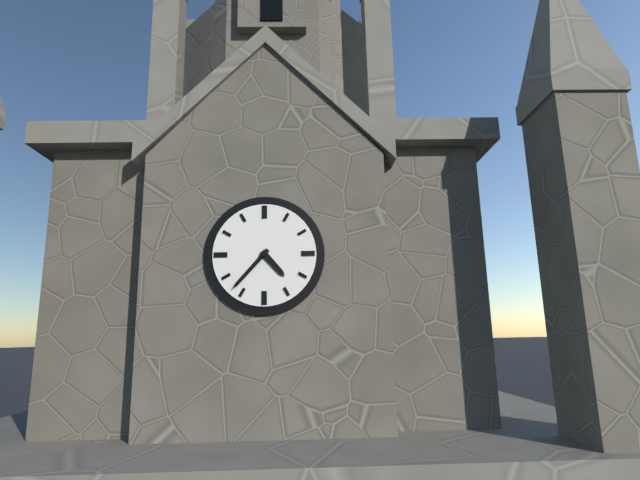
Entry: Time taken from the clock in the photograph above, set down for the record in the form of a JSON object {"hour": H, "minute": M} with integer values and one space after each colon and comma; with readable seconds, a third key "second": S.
{"hour": 4, "minute": 37}
